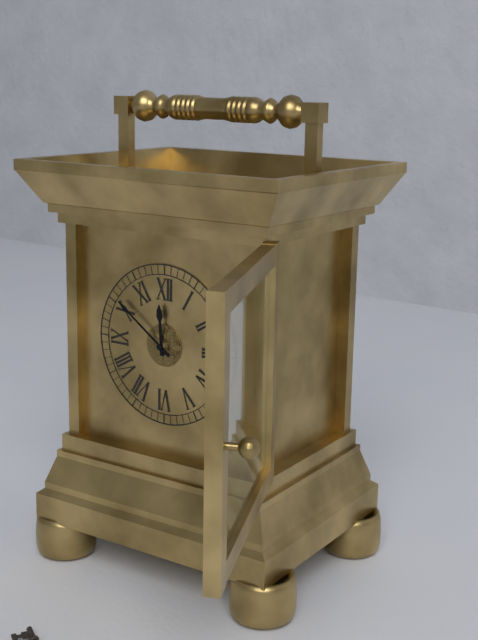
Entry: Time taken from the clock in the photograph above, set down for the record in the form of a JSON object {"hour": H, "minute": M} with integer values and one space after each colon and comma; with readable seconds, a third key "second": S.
{"hour": 11, "minute": 51}
